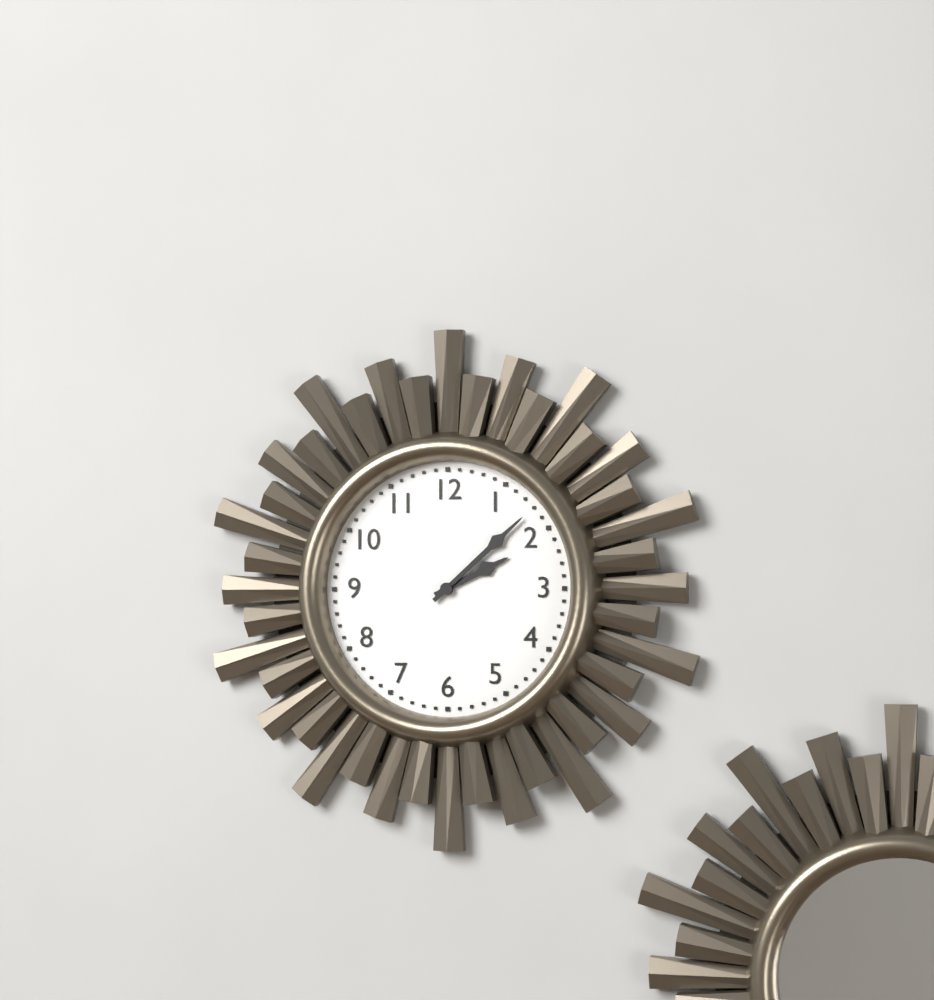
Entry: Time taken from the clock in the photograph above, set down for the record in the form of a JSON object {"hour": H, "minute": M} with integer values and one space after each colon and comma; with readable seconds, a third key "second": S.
{"hour": 2, "minute": 8}
